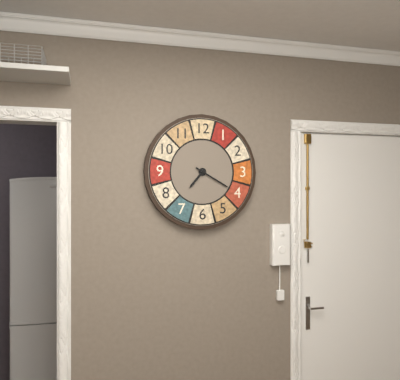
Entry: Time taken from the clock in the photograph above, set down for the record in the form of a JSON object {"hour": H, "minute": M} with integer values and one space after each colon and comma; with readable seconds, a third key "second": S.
{"hour": 7, "minute": 20}
